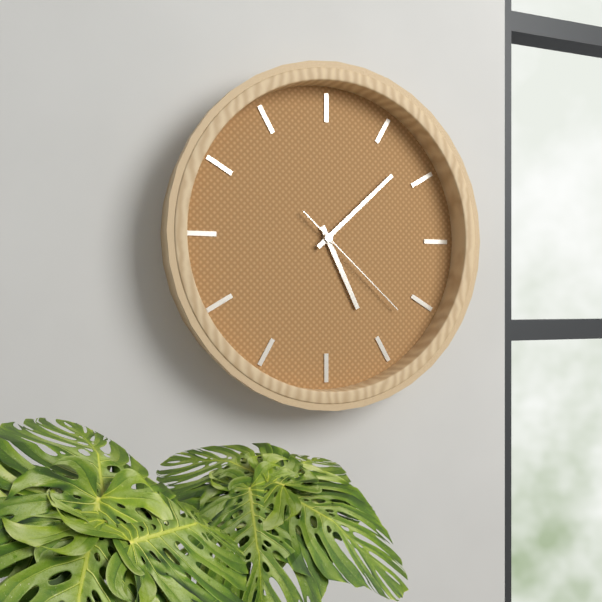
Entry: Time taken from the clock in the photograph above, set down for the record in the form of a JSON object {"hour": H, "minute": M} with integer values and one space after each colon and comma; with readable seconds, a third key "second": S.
{"hour": 5, "minute": 8, "second": 22}
